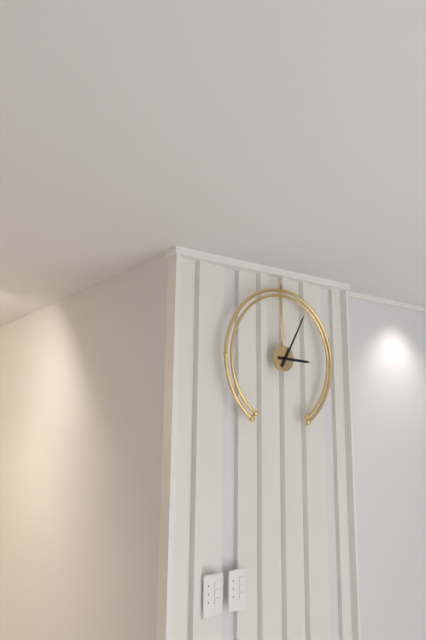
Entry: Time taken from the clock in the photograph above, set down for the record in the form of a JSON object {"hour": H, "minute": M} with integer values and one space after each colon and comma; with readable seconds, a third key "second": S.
{"hour": 3, "minute": 5}
